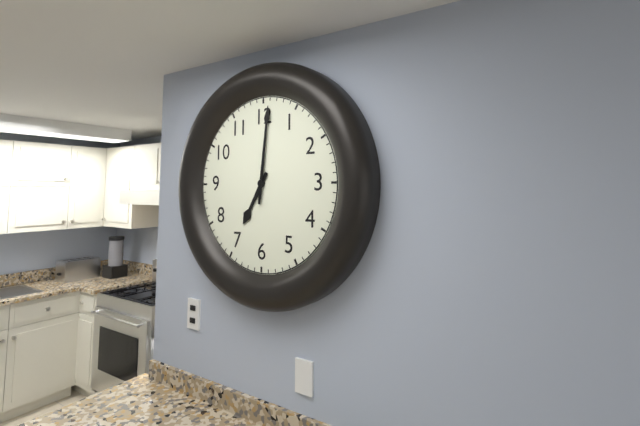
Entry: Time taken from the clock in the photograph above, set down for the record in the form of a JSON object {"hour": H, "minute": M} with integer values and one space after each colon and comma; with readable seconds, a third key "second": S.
{"hour": 7, "minute": 1}
